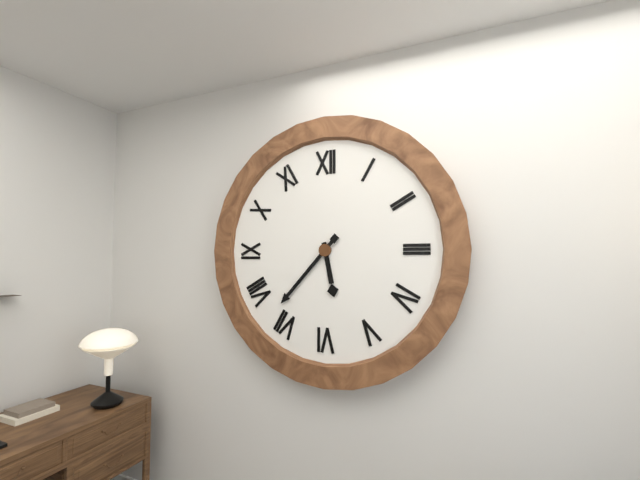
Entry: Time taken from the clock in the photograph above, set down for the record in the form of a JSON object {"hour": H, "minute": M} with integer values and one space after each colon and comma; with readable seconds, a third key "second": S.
{"hour": 5, "minute": 37}
